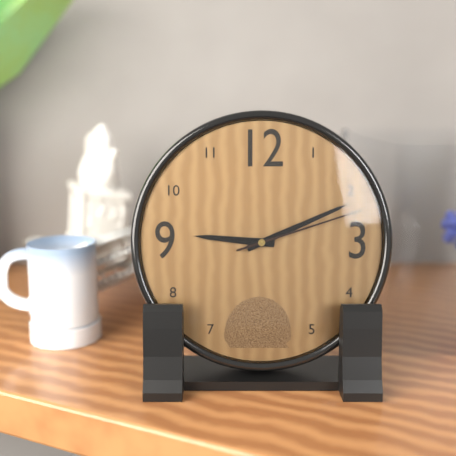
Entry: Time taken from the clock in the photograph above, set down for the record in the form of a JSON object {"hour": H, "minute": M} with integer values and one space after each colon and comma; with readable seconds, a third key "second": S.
{"hour": 9, "minute": 11, "second": 12}
